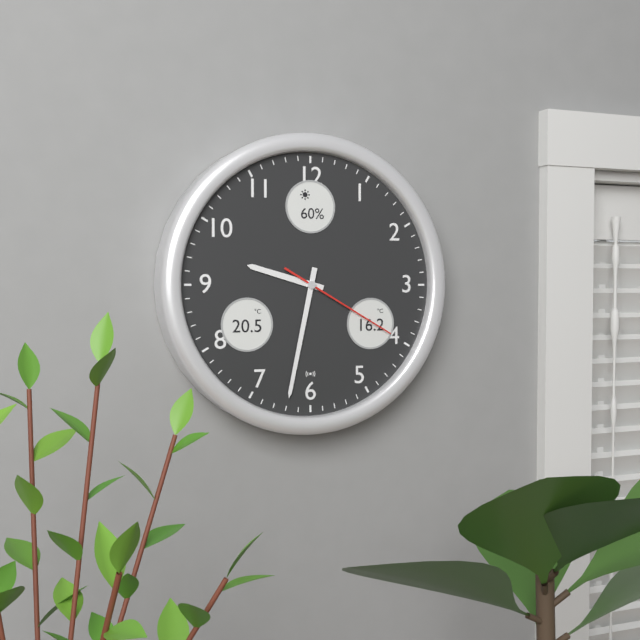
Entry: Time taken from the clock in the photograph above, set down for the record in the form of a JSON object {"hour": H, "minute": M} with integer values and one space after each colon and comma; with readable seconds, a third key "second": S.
{"hour": 9, "minute": 32, "second": 20}
